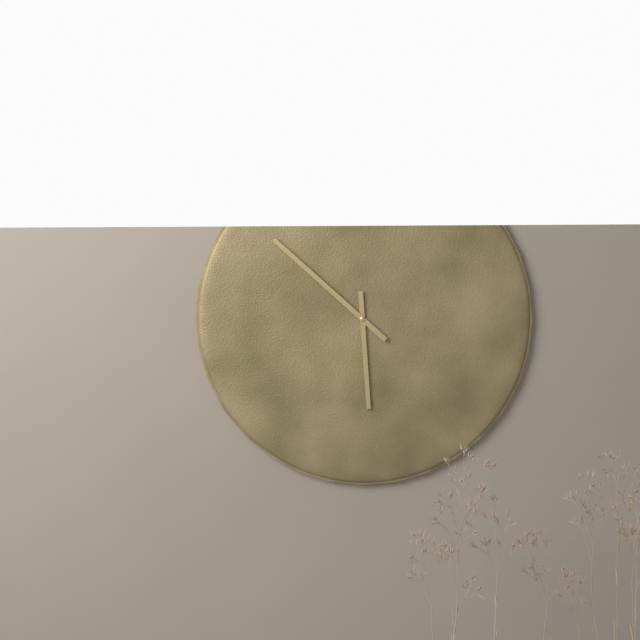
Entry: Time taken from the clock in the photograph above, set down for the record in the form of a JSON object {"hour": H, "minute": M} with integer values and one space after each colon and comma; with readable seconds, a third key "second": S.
{"hour": 5, "minute": 52}
